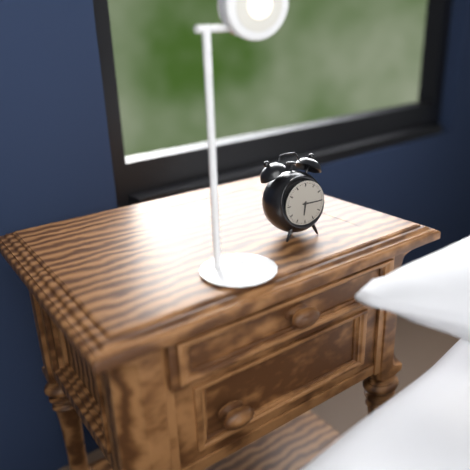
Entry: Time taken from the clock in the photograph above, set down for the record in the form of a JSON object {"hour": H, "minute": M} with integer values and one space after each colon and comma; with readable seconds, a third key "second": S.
{"hour": 6, "minute": 15}
